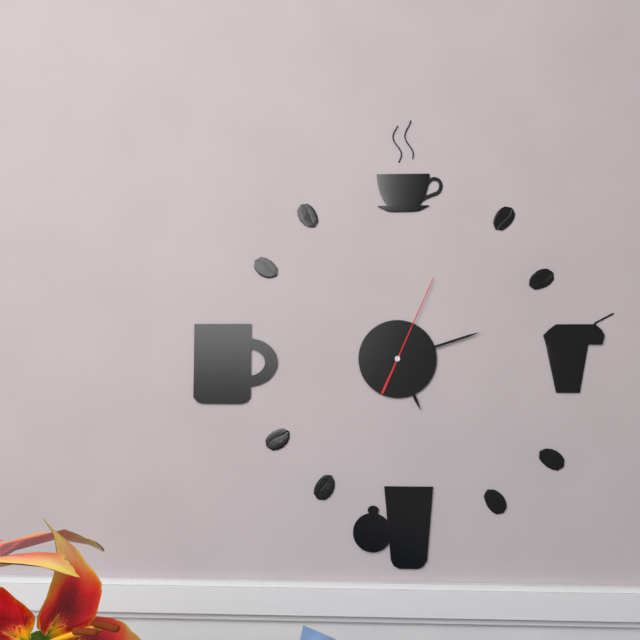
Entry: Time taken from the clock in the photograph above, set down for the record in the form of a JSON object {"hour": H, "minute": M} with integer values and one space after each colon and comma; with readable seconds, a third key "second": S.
{"hour": 5, "minute": 12, "second": 4}
